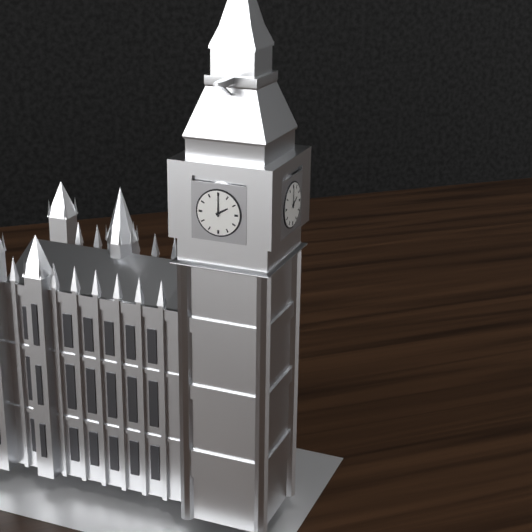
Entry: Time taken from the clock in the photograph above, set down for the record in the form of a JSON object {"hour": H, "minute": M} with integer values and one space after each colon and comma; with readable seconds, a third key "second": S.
{"hour": 2, "minute": 0}
